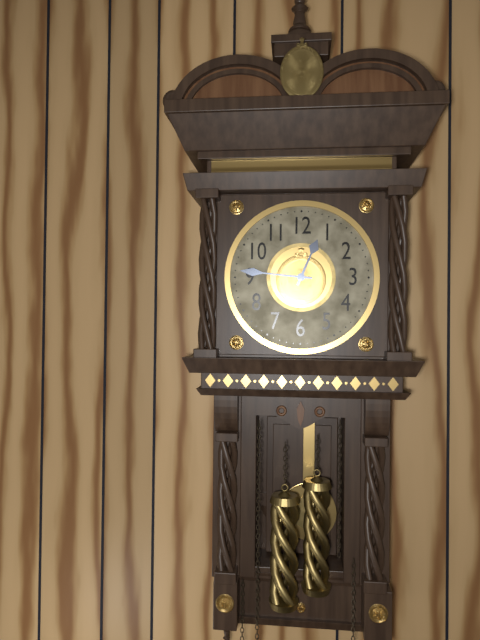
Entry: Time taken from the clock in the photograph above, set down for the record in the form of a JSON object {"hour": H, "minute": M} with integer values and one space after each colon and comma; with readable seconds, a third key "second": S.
{"hour": 12, "minute": 46}
